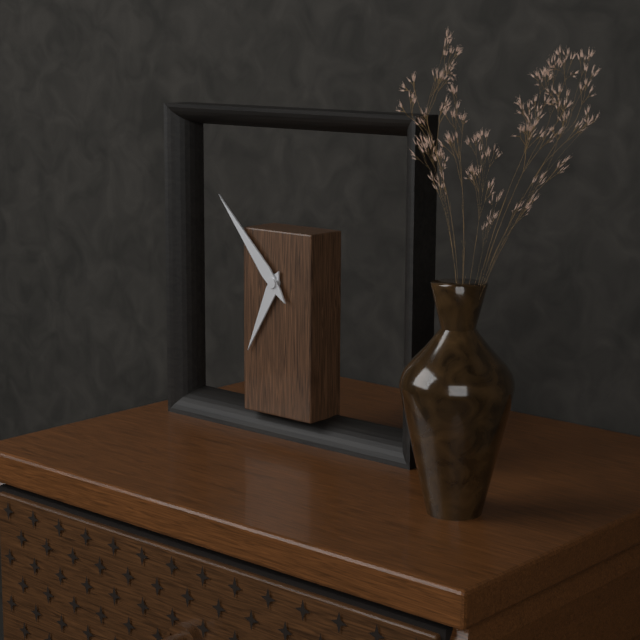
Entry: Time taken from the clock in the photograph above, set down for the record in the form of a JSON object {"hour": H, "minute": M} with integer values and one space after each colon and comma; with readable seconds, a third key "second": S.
{"hour": 6, "minute": 53}
